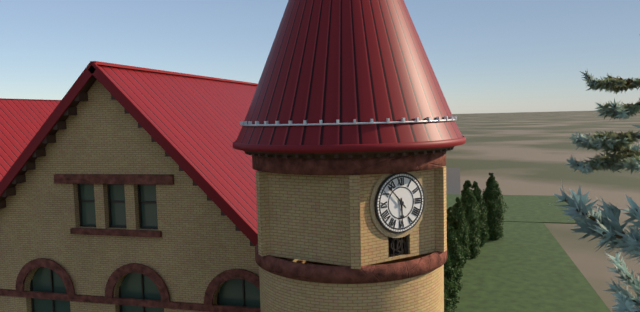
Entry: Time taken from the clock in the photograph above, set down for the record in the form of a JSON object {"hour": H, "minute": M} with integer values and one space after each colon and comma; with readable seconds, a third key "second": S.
{"hour": 5, "minute": 53}
